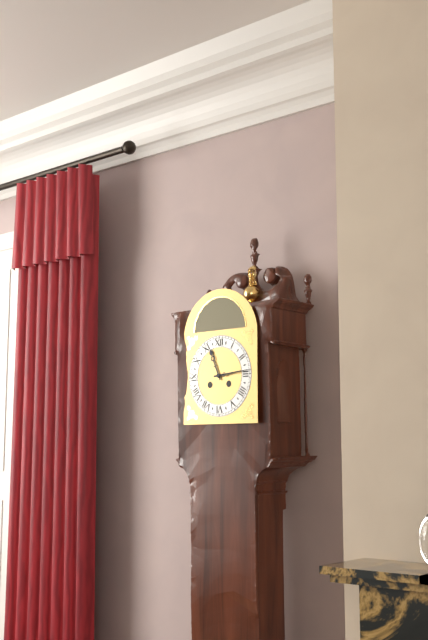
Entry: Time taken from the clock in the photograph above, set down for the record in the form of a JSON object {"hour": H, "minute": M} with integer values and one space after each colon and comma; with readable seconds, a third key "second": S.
{"hour": 11, "minute": 14}
